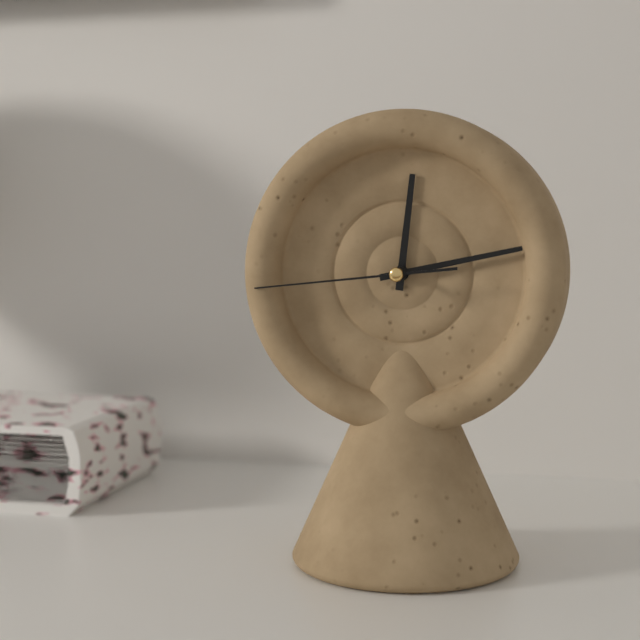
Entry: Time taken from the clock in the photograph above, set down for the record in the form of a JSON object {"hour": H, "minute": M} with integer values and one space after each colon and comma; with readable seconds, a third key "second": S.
{"hour": 12, "minute": 13, "second": 44}
